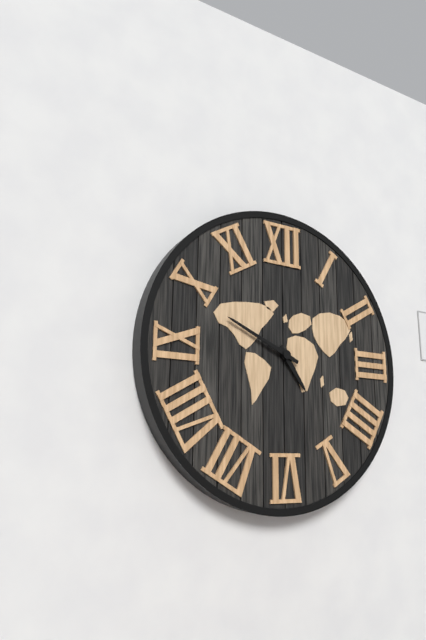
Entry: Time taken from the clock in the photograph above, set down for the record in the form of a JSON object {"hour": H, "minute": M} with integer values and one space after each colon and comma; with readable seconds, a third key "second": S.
{"hour": 4, "minute": 49}
